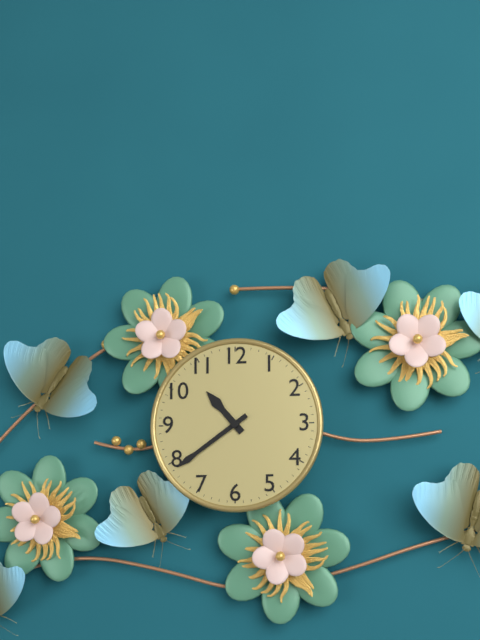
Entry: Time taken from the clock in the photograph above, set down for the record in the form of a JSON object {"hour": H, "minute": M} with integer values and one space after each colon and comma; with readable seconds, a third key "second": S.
{"hour": 10, "minute": 39}
